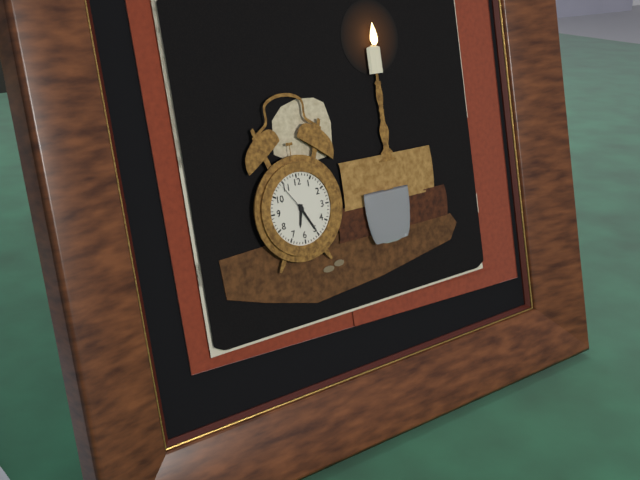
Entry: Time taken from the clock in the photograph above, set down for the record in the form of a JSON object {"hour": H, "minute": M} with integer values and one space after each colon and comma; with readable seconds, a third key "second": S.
{"hour": 6, "minute": 25}
